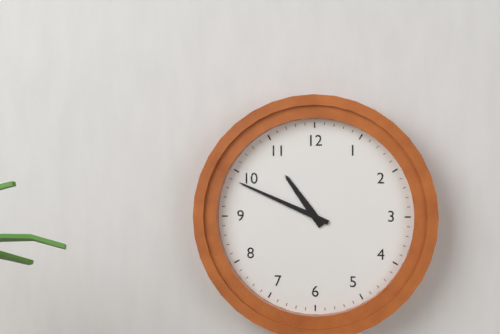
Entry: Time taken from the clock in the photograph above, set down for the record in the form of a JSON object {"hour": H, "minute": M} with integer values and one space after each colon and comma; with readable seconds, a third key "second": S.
{"hour": 10, "minute": 49}
